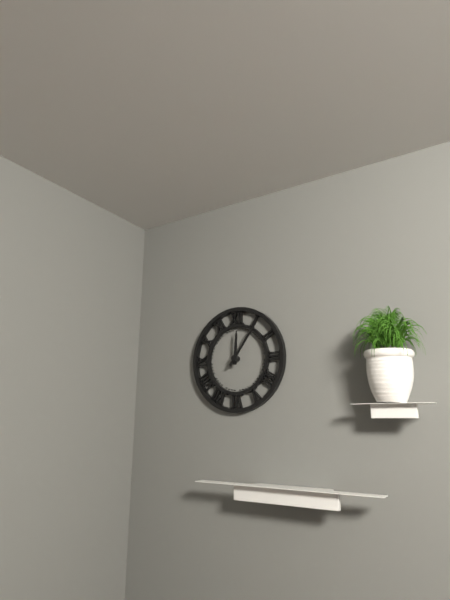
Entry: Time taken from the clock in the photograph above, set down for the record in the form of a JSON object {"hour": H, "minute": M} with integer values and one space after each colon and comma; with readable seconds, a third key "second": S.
{"hour": 12, "minute": 6}
